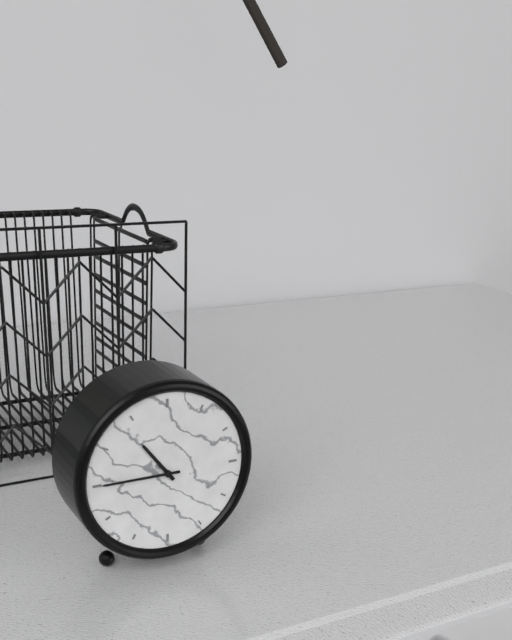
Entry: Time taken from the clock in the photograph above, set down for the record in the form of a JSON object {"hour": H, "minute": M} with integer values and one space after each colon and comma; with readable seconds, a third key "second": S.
{"hour": 10, "minute": 45}
